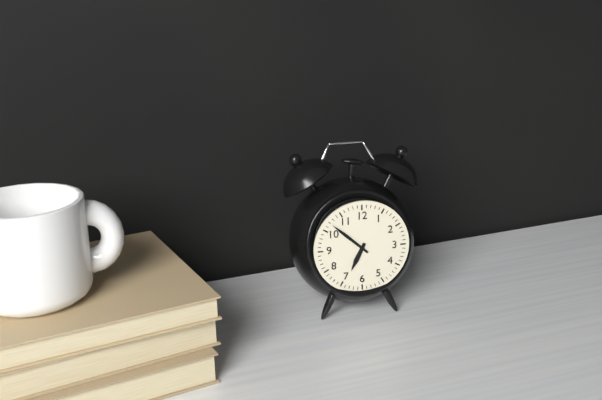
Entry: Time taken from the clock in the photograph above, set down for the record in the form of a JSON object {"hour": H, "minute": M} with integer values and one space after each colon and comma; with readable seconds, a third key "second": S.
{"hour": 6, "minute": 52}
